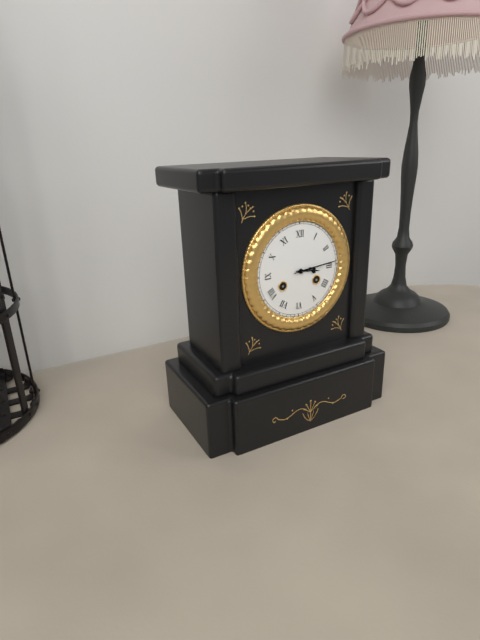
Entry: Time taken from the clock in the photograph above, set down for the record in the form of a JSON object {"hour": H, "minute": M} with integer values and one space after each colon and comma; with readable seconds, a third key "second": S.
{"hour": 3, "minute": 14}
